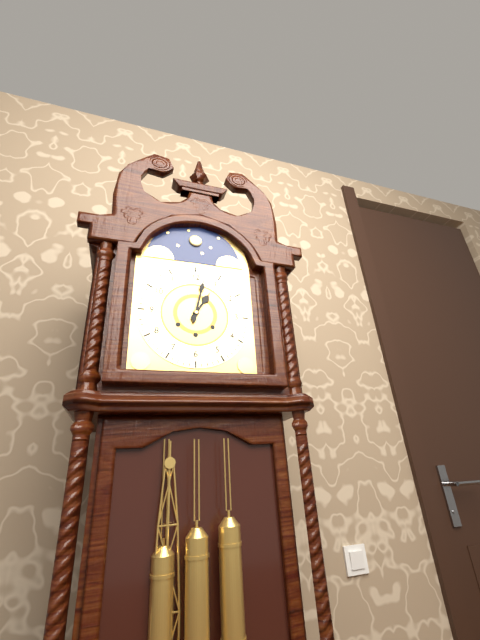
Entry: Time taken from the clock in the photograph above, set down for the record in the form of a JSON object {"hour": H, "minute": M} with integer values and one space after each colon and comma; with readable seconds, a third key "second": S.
{"hour": 1, "minute": 2}
